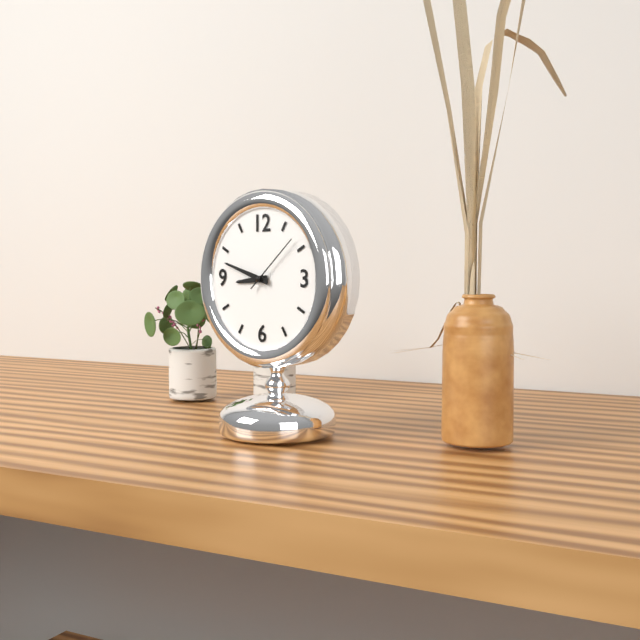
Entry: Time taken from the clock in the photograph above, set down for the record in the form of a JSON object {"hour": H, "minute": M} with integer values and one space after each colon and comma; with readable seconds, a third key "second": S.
{"hour": 8, "minute": 48, "second": 8}
